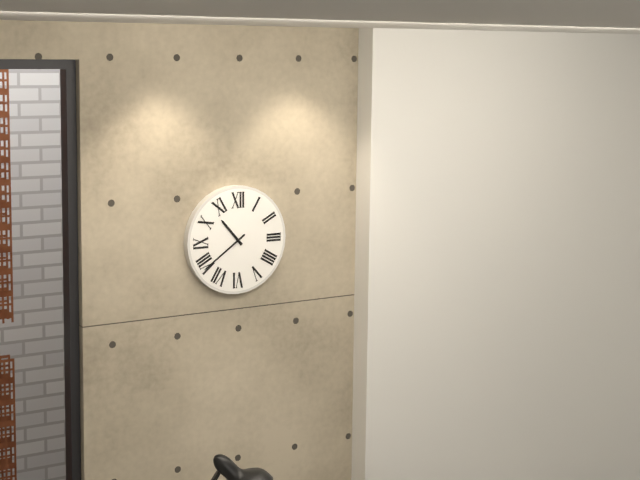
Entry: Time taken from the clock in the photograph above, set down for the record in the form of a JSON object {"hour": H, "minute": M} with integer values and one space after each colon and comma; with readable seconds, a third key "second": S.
{"hour": 10, "minute": 39}
